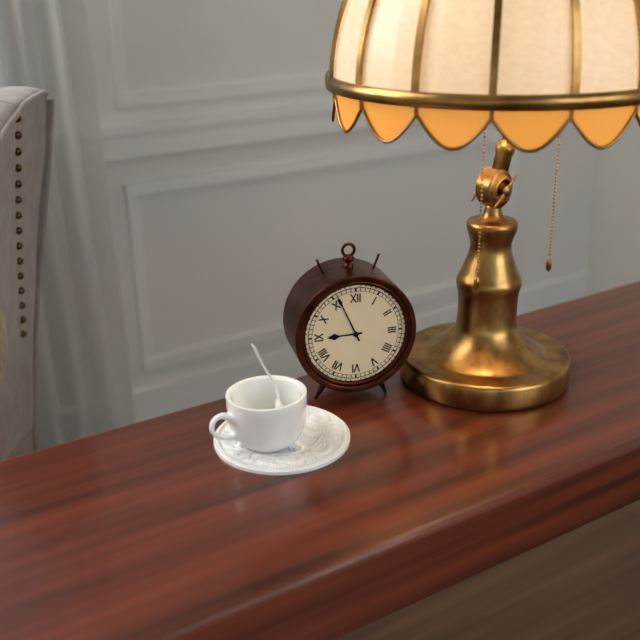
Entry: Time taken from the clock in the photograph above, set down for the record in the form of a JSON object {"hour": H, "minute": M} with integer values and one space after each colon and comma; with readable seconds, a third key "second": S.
{"hour": 8, "minute": 56}
